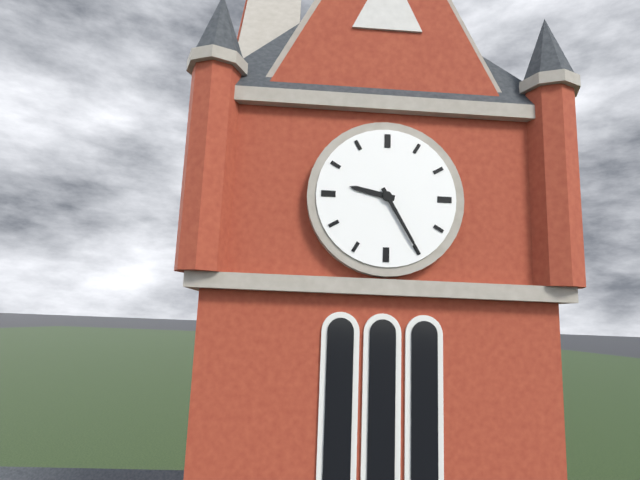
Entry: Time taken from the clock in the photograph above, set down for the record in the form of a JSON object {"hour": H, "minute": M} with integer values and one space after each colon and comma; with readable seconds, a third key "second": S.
{"hour": 9, "minute": 25}
